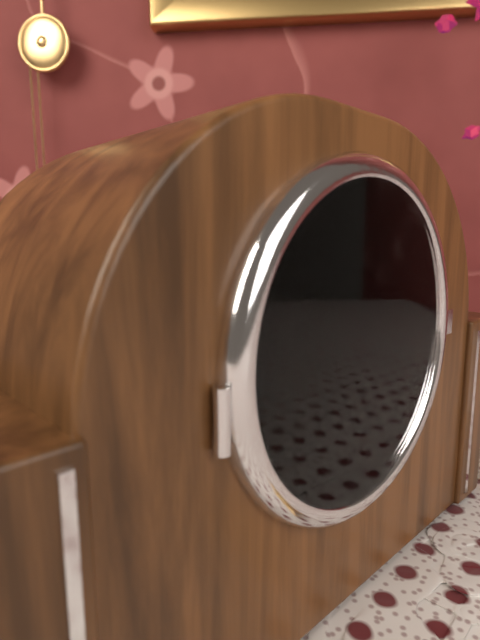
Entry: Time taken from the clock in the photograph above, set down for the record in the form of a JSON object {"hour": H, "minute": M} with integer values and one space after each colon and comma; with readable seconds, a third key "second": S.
{"hour": 4, "minute": 14}
